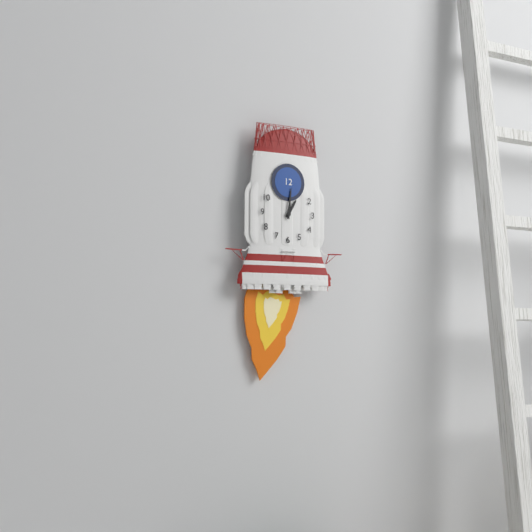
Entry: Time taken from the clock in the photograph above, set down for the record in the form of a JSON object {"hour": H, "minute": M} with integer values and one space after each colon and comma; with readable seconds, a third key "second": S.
{"hour": 1, "minute": 1}
